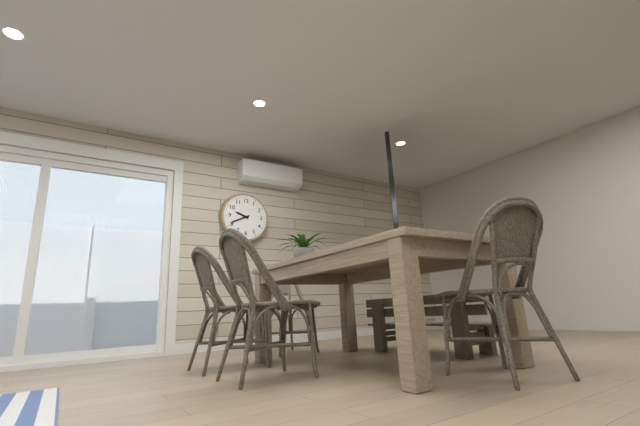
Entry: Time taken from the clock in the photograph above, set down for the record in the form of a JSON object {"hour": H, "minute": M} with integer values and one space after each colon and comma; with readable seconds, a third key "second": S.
{"hour": 9, "minute": 41}
